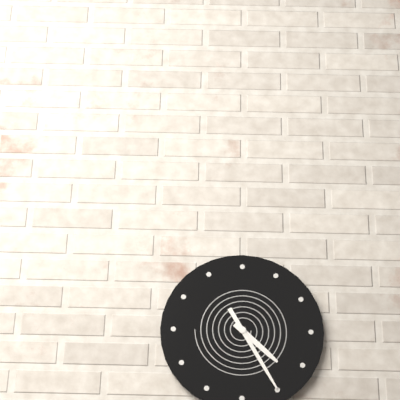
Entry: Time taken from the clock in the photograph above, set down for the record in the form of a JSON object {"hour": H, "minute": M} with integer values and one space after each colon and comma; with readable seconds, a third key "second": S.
{"hour": 4, "minute": 25}
